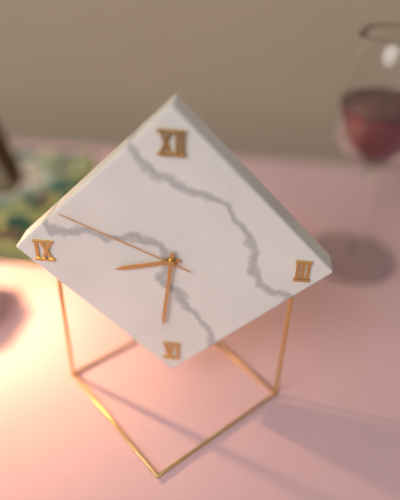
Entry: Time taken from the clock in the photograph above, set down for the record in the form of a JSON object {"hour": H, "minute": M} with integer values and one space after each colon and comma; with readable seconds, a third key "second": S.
{"hour": 8, "minute": 31, "second": 49}
